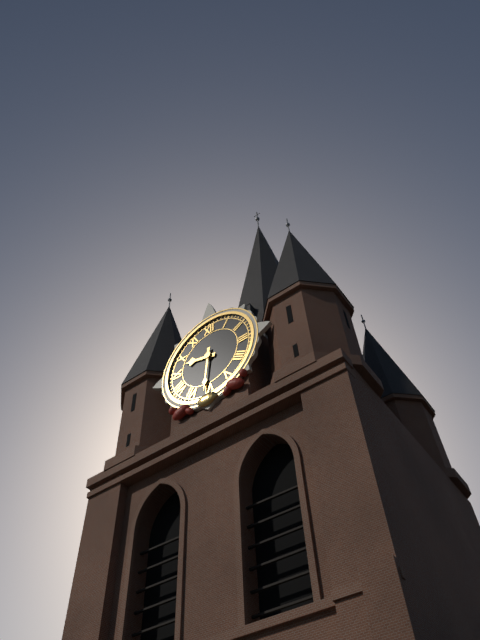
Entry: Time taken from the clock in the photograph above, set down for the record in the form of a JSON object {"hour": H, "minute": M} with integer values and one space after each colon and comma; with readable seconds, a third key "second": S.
{"hour": 9, "minute": 31}
